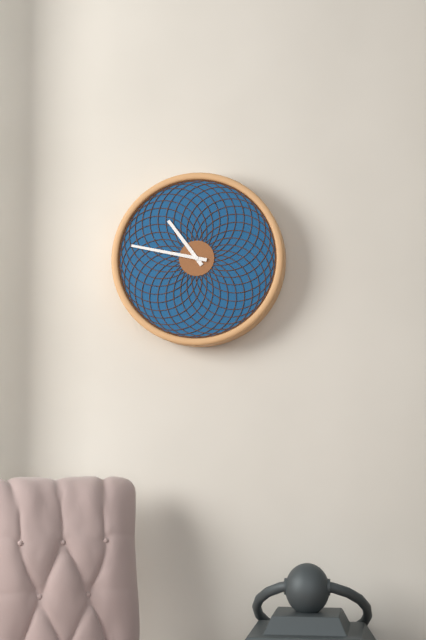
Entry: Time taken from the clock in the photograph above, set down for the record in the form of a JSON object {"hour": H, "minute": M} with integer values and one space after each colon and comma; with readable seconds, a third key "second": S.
{"hour": 10, "minute": 47}
